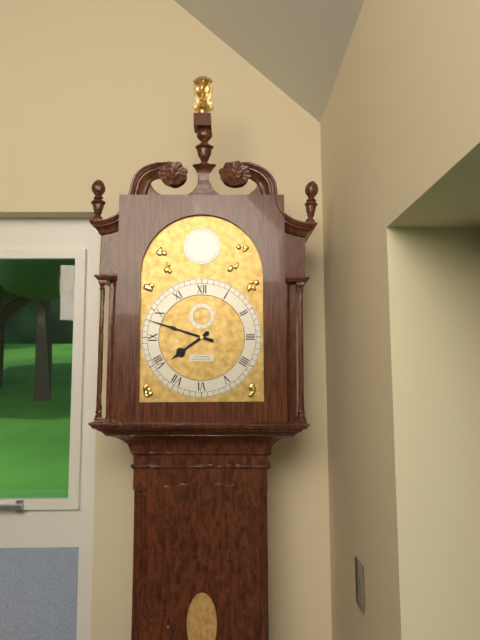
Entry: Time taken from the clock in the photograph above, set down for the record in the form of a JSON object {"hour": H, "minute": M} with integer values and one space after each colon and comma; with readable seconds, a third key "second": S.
{"hour": 7, "minute": 48}
